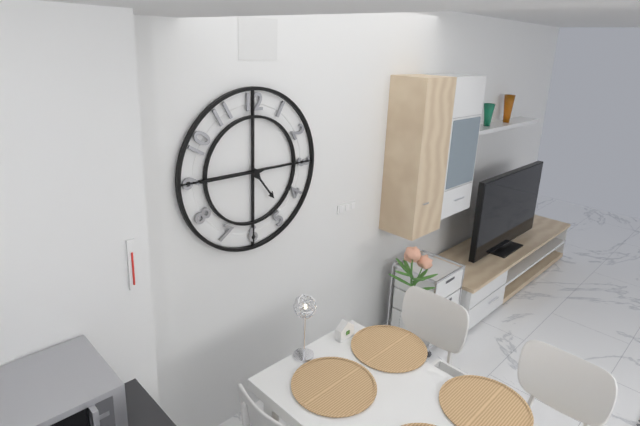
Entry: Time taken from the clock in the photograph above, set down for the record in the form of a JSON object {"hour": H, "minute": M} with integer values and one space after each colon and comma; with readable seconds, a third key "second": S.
{"hour": 4, "minute": 45}
